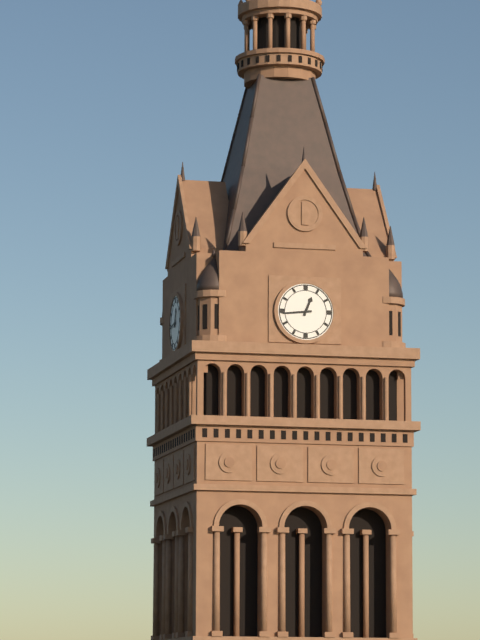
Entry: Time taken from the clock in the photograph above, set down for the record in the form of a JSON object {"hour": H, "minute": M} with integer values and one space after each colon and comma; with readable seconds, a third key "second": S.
{"hour": 12, "minute": 44}
